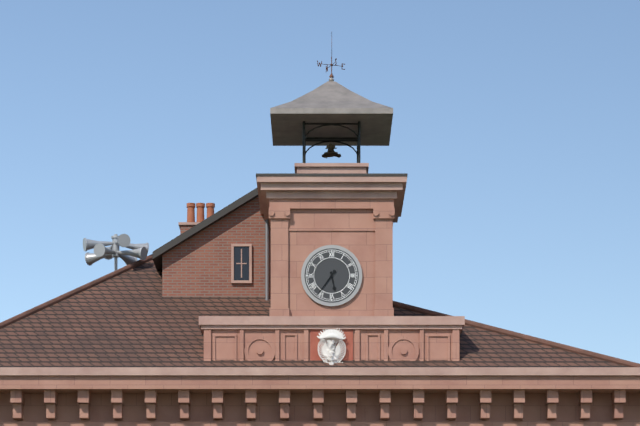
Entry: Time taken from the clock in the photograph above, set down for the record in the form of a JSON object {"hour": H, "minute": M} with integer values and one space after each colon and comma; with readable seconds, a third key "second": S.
{"hour": 5, "minute": 36}
